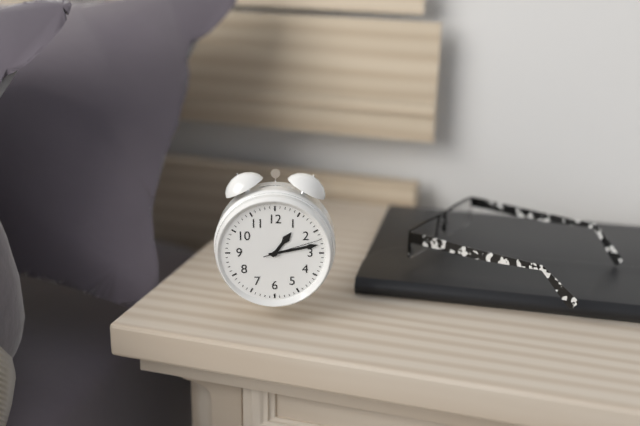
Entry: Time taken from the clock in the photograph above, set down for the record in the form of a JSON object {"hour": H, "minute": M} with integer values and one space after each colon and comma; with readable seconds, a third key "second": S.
{"hour": 1, "minute": 13, "second": 12}
